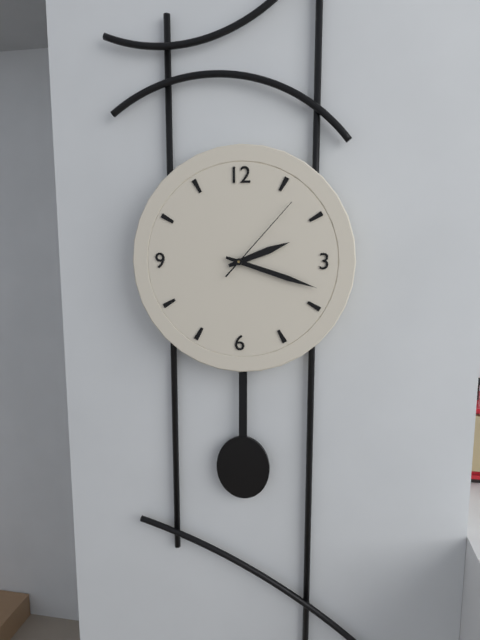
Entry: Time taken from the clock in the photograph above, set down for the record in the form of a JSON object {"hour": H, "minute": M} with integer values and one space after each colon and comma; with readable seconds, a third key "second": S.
{"hour": 2, "minute": 18, "second": 7}
